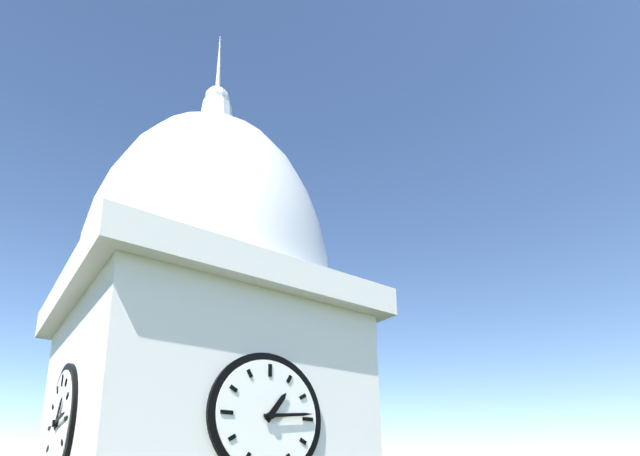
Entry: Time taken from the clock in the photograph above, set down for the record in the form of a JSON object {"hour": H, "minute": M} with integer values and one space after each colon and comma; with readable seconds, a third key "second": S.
{"hour": 1, "minute": 14}
